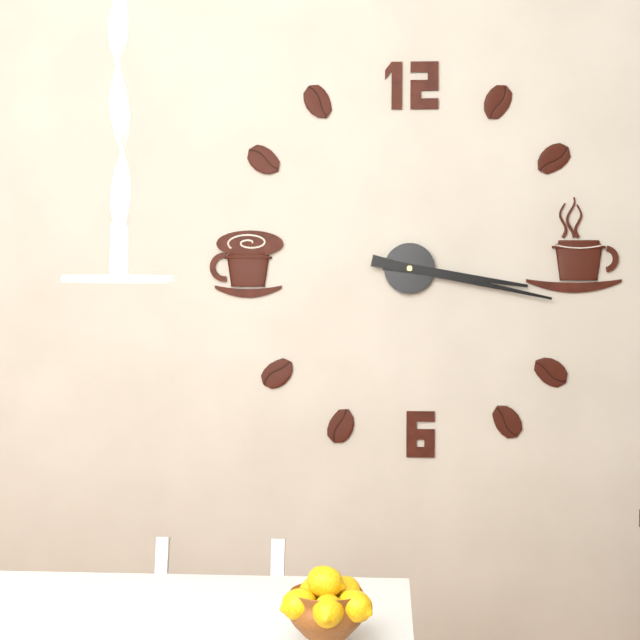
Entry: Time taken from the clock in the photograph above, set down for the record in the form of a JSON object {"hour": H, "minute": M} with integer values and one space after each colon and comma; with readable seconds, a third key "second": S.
{"hour": 3, "minute": 17}
